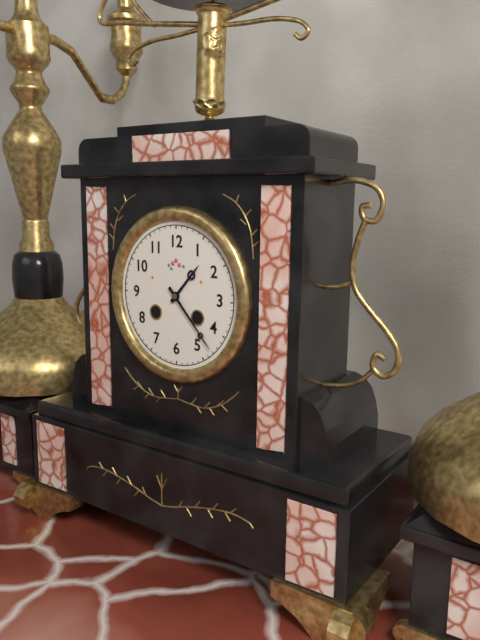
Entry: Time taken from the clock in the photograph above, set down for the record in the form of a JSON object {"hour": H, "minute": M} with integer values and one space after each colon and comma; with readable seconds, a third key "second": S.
{"hour": 1, "minute": 23}
